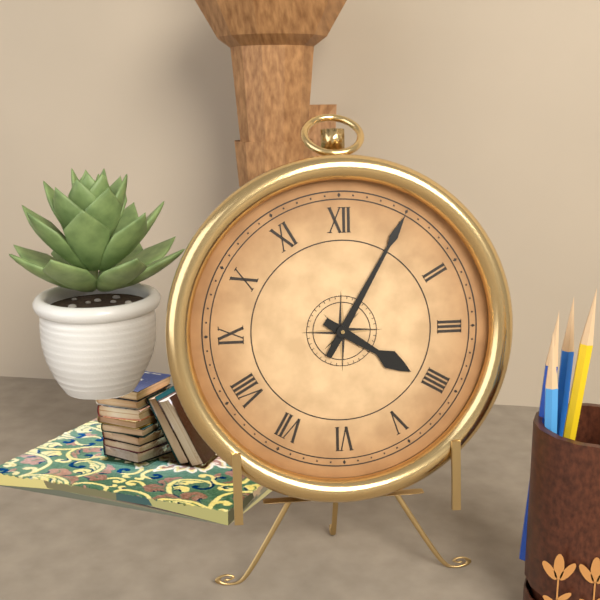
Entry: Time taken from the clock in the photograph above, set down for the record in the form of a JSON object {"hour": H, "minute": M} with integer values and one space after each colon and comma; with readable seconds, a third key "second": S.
{"hour": 4, "minute": 5}
